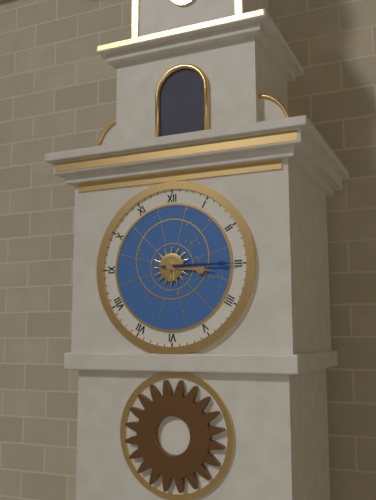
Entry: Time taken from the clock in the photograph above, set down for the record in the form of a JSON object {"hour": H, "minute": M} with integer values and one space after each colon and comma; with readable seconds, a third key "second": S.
{"hour": 3, "minute": 15}
